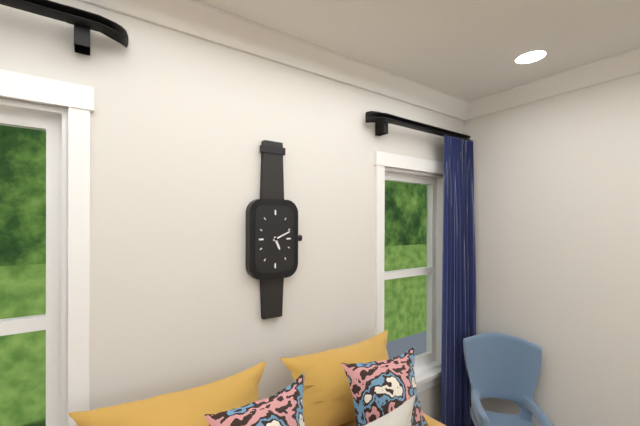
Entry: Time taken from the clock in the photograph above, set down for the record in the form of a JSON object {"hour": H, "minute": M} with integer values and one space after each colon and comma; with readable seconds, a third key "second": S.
{"hour": 5, "minute": 11}
